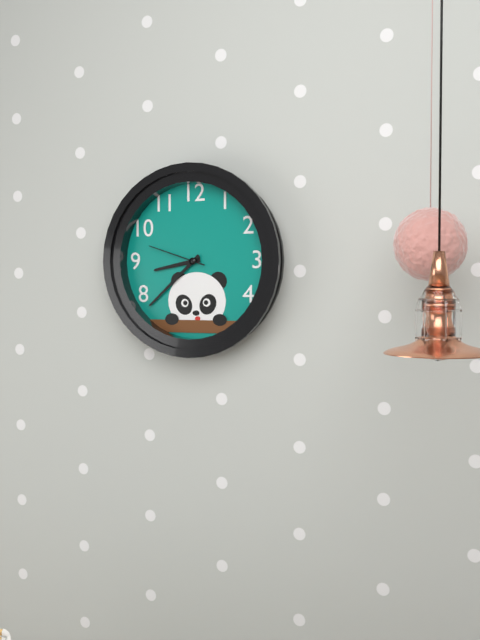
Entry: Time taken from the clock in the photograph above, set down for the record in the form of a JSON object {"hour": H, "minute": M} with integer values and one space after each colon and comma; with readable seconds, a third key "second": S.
{"hour": 8, "minute": 38, "second": 48}
